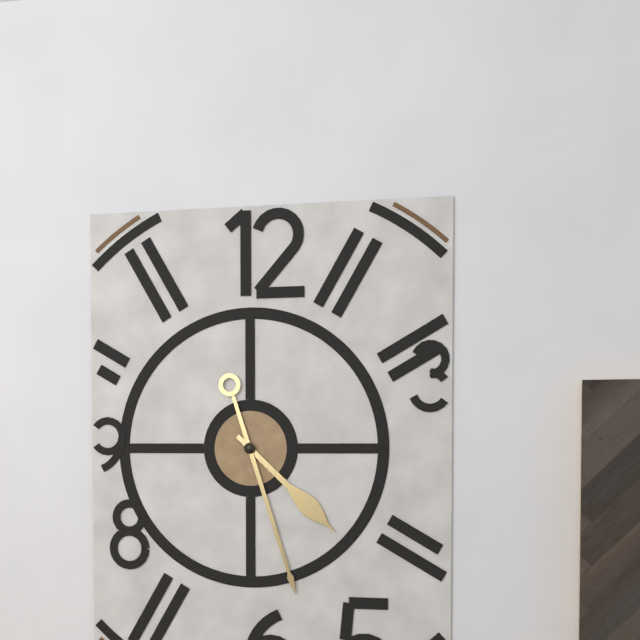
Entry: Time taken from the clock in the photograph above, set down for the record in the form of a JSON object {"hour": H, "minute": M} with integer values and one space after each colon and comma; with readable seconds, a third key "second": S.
{"hour": 4, "minute": 27}
